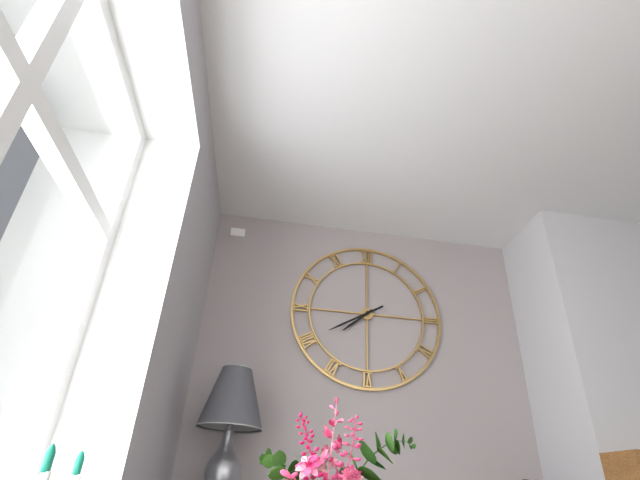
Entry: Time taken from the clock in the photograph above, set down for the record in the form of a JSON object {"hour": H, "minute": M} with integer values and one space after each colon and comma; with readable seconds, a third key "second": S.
{"hour": 7, "minute": 40}
